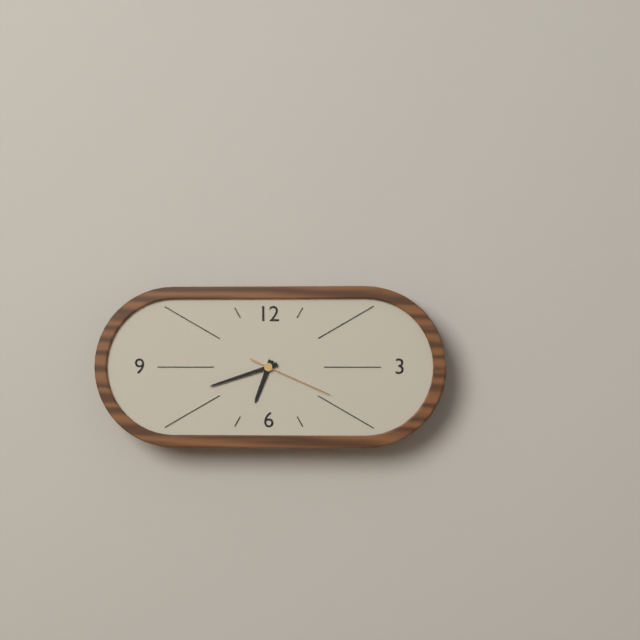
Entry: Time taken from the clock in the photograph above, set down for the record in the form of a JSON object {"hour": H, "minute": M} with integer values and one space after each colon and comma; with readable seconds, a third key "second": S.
{"hour": 6, "minute": 42, "second": 19}
